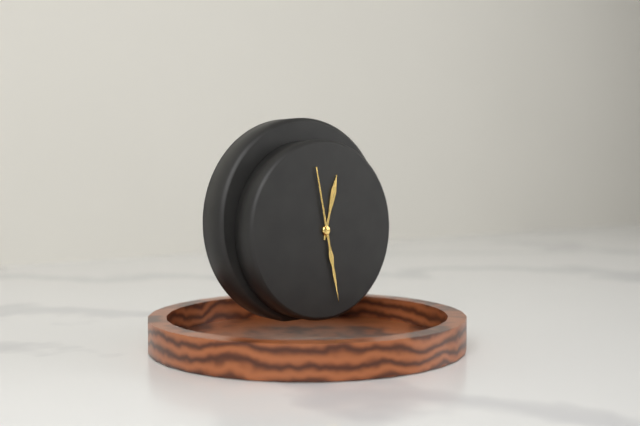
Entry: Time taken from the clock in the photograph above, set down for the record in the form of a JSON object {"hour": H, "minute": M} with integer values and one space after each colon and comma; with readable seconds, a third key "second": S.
{"hour": 12, "minute": 28}
